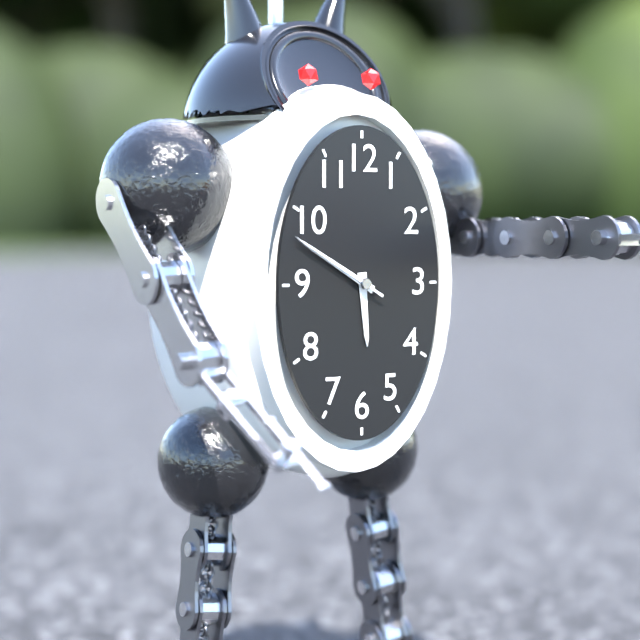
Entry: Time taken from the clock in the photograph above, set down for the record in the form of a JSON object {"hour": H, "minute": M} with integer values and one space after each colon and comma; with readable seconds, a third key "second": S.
{"hour": 5, "minute": 50, "second": 50}
